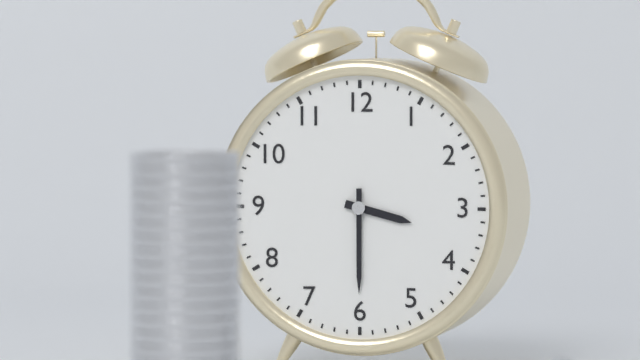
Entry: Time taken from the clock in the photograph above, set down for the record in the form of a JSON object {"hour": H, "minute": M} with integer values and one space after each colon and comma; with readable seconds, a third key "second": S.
{"hour": 3, "minute": 30}
